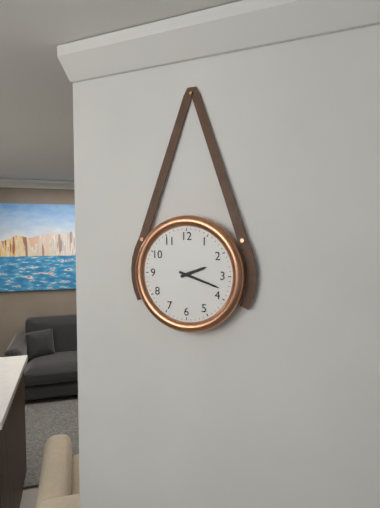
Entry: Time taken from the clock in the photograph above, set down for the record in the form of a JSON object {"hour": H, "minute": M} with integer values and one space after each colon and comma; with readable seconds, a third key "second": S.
{"hour": 2, "minute": 18}
